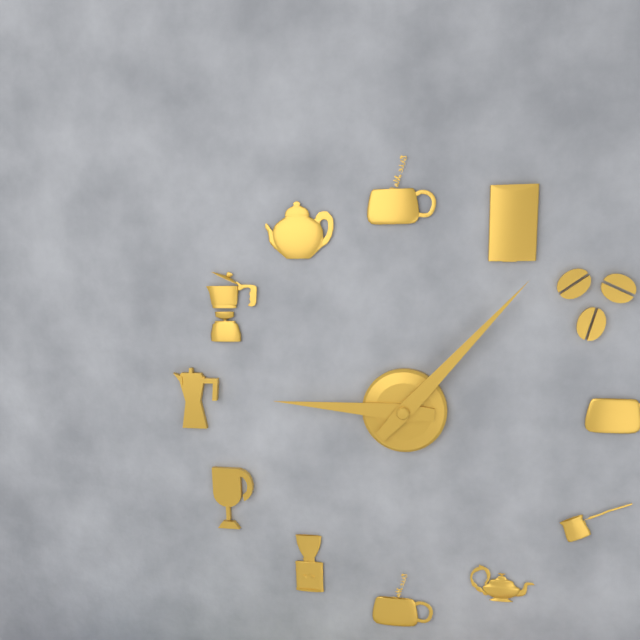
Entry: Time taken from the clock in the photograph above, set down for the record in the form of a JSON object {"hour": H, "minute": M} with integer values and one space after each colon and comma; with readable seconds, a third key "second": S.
{"hour": 9, "minute": 7}
